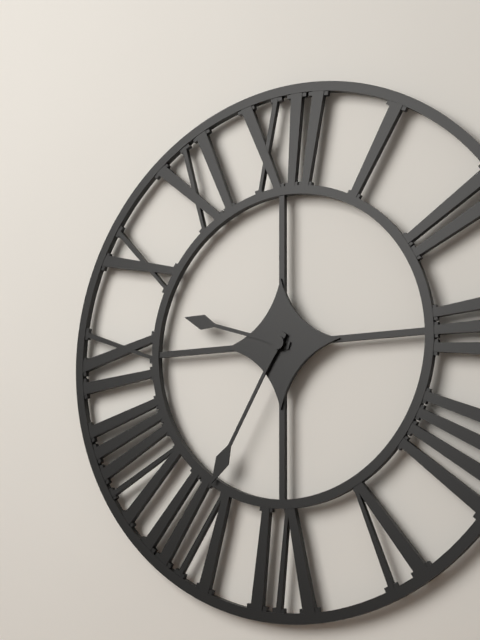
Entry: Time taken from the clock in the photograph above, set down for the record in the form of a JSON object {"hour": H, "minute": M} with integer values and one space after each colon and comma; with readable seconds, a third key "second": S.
{"hour": 9, "minute": 35}
